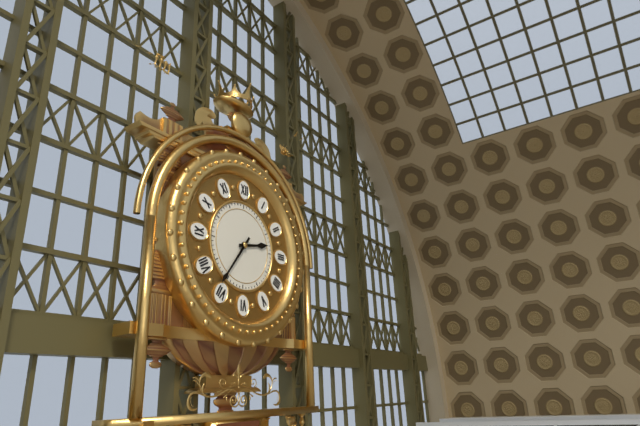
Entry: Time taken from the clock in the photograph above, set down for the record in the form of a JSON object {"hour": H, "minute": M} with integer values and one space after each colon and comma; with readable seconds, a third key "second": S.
{"hour": 2, "minute": 36}
